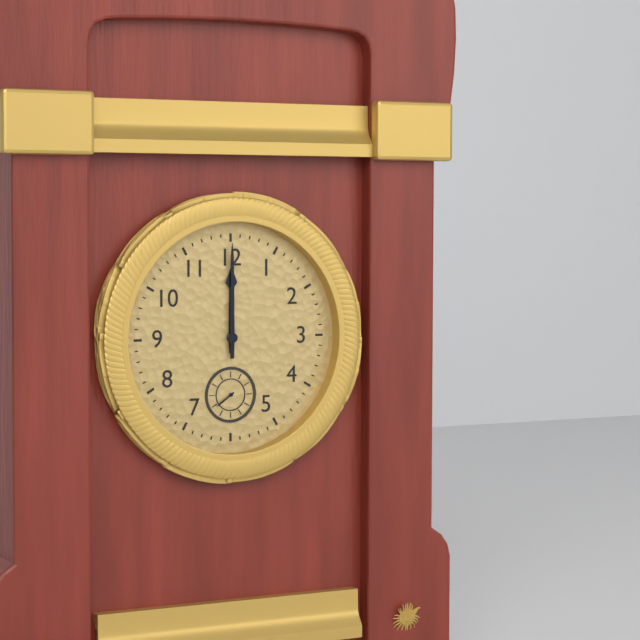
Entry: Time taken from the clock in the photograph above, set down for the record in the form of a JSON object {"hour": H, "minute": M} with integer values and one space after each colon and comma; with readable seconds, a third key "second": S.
{"hour": 12, "minute": 0}
